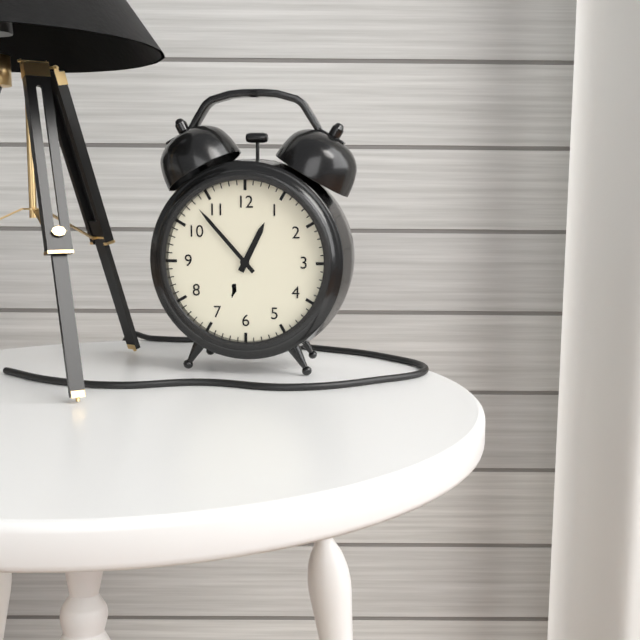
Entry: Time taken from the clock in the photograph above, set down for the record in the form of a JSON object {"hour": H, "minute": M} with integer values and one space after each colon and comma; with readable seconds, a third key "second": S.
{"hour": 12, "minute": 53}
